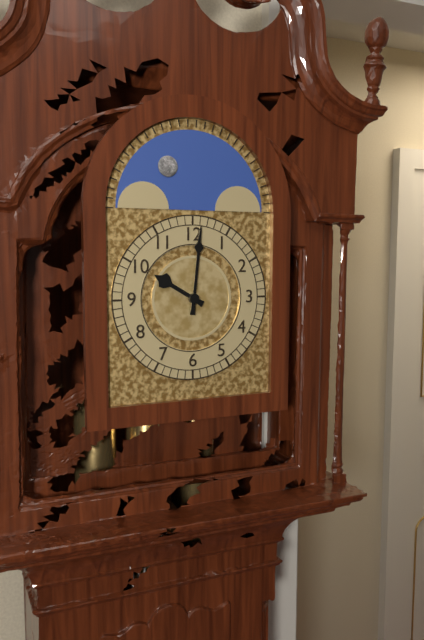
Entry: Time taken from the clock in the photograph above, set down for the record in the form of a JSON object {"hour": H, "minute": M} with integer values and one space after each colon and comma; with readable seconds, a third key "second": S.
{"hour": 10, "minute": 1}
